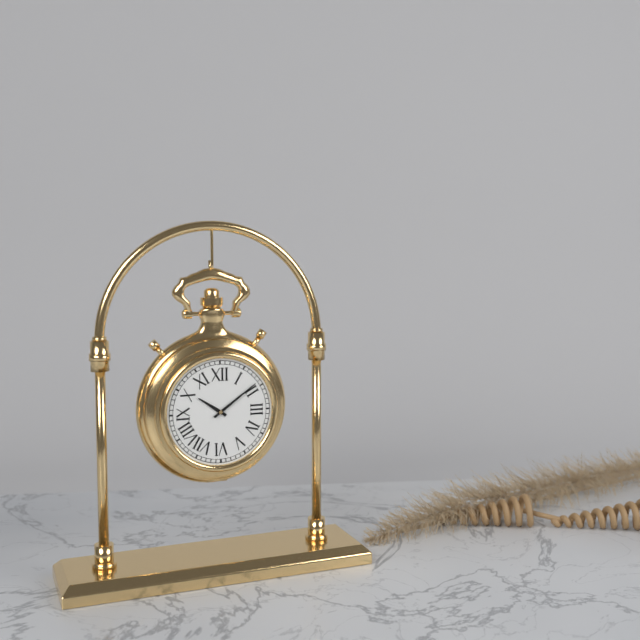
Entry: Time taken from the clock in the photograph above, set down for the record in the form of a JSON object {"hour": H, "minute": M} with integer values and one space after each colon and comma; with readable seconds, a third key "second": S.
{"hour": 10, "minute": 9}
